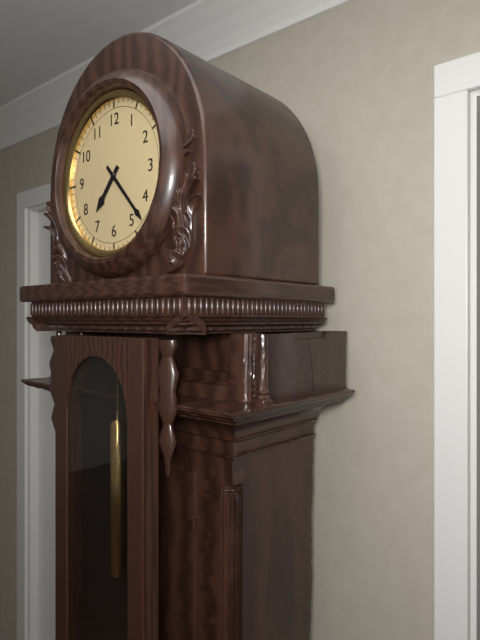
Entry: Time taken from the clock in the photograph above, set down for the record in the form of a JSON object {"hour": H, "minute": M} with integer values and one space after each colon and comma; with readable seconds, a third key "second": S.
{"hour": 7, "minute": 23}
